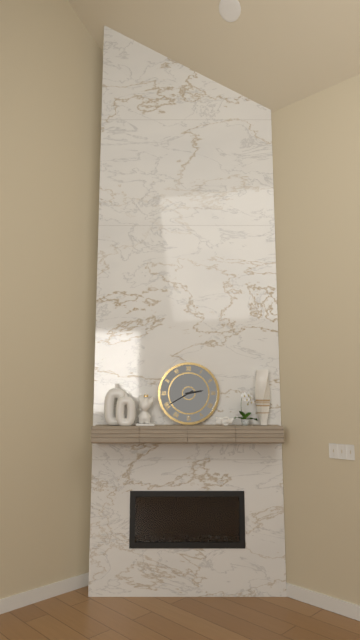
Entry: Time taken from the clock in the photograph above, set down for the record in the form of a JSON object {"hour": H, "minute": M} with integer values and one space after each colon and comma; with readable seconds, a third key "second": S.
{"hour": 2, "minute": 40}
